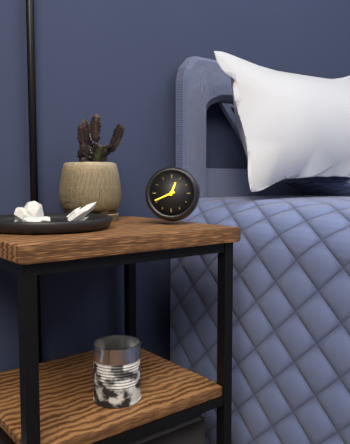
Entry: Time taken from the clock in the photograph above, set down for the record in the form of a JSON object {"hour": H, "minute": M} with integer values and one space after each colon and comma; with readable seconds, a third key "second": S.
{"hour": 12, "minute": 41}
